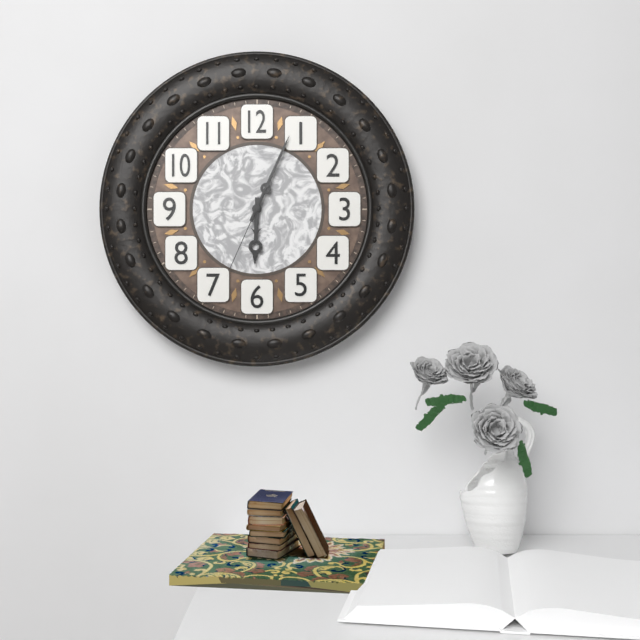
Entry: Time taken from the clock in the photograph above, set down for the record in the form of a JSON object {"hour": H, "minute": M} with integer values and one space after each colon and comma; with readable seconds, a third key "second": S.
{"hour": 6, "minute": 4, "second": 34}
